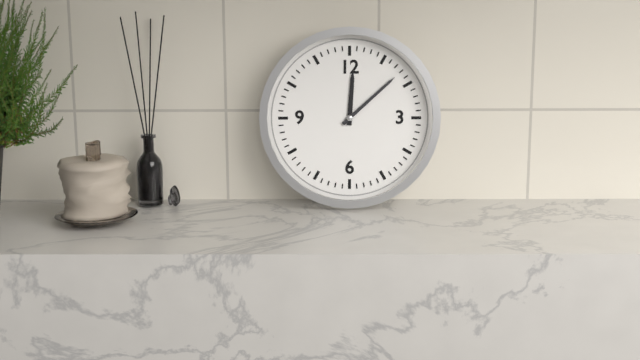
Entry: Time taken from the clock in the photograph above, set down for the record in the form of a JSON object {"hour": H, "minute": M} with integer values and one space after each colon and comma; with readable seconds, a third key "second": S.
{"hour": 12, "minute": 8}
